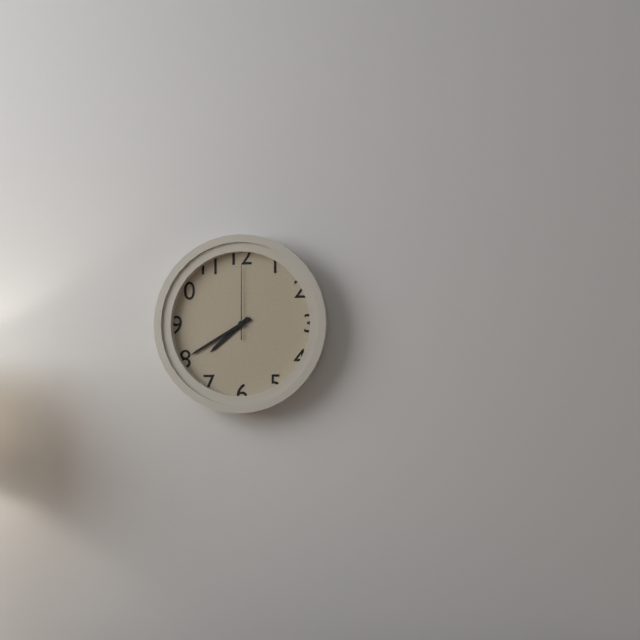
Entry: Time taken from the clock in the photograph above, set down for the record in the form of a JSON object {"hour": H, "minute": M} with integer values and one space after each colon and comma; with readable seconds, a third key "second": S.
{"hour": 7, "minute": 40, "second": 0}
